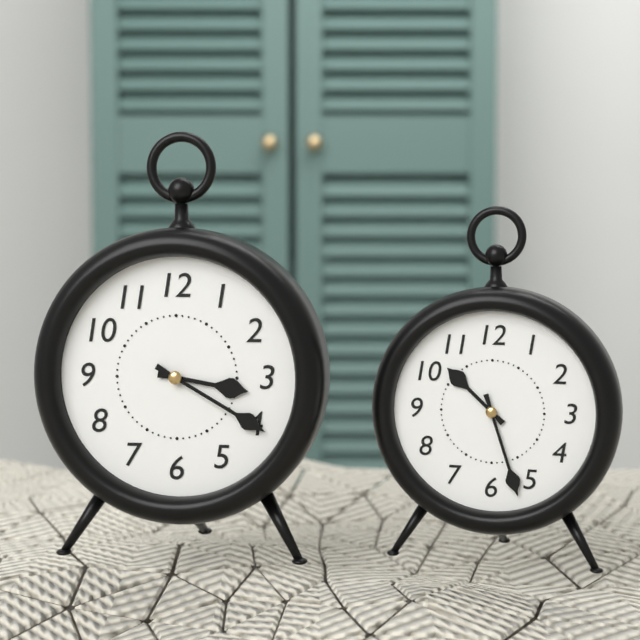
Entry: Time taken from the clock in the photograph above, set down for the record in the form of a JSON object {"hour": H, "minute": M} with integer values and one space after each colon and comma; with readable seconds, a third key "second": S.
{"hour": 3, "minute": 20}
